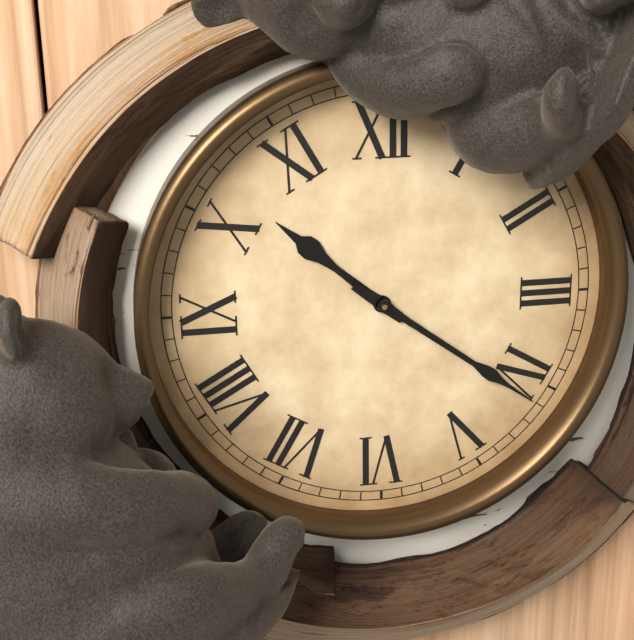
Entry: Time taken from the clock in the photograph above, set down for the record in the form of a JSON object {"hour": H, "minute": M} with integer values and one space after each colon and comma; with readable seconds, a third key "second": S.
{"hour": 10, "minute": 21}
